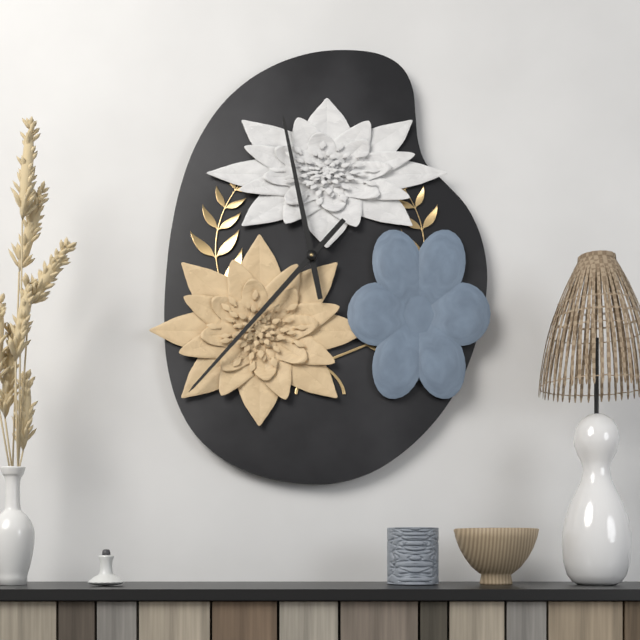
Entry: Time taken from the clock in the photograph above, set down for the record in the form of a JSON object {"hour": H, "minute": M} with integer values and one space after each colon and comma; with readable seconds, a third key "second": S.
{"hour": 11, "minute": 37}
